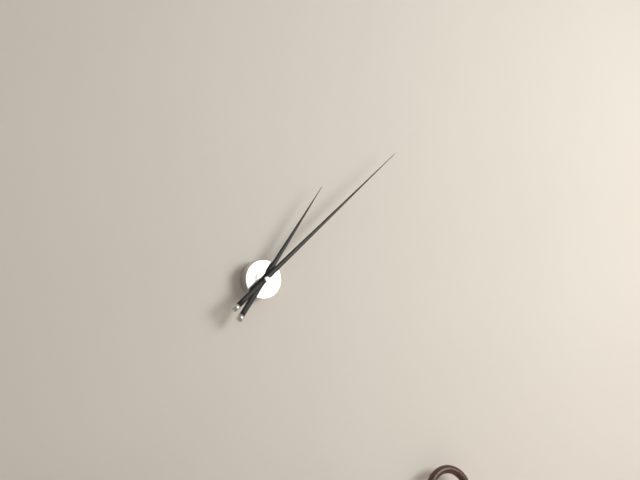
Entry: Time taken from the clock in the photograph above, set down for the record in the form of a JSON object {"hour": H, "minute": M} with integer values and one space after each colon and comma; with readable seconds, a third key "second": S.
{"hour": 1, "minute": 8}
